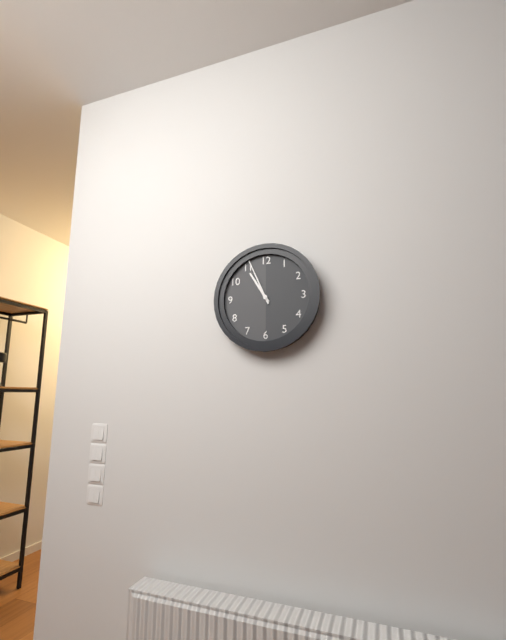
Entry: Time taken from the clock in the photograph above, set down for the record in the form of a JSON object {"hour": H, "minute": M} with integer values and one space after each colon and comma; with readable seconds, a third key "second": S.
{"hour": 10, "minute": 56}
